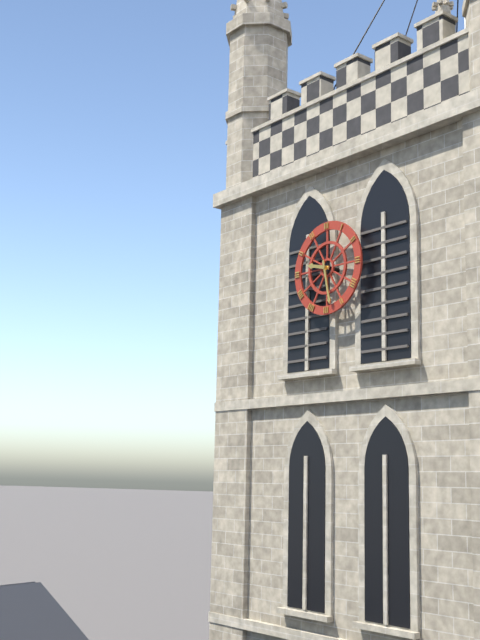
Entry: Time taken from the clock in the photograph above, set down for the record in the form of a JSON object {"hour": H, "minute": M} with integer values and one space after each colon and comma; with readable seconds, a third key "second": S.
{"hour": 9, "minute": 28}
